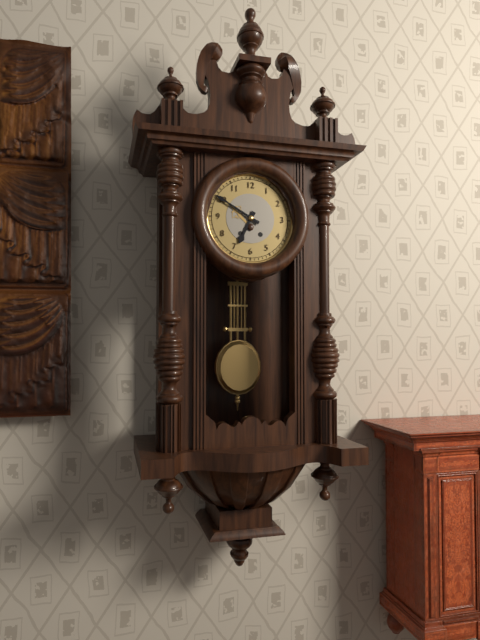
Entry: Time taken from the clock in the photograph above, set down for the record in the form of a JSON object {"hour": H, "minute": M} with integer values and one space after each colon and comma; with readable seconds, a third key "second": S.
{"hour": 6, "minute": 50}
